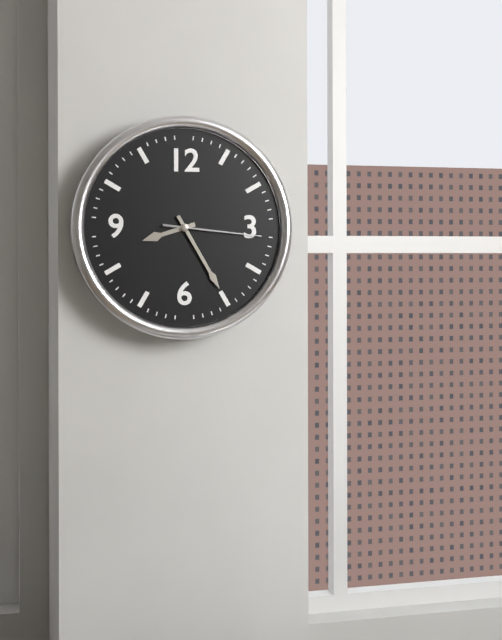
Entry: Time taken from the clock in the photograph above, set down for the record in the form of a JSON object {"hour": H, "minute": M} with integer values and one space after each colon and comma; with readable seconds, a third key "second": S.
{"hour": 8, "minute": 25, "second": 16}
